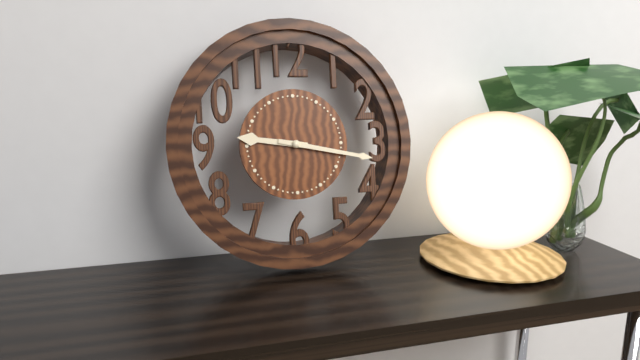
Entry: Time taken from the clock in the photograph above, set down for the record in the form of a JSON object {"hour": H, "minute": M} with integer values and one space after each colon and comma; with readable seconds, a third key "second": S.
{"hour": 9, "minute": 17}
